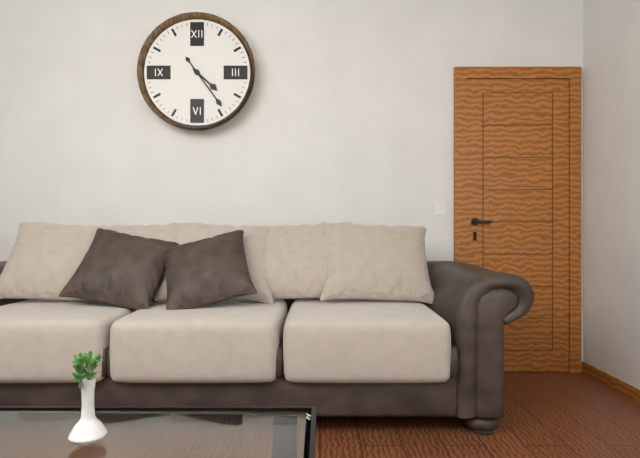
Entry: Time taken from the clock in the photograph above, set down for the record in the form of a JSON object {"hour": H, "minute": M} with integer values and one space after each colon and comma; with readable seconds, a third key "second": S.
{"hour": 4, "minute": 24}
